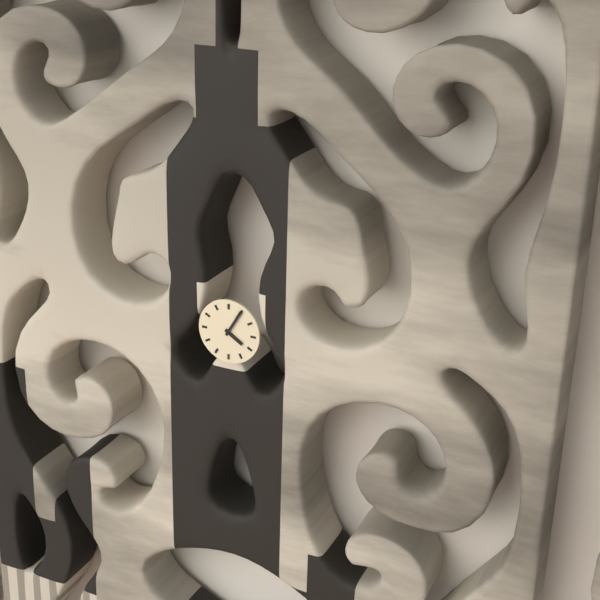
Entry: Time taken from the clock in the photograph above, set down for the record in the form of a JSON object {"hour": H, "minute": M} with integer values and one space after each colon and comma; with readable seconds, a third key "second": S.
{"hour": 4, "minute": 5}
